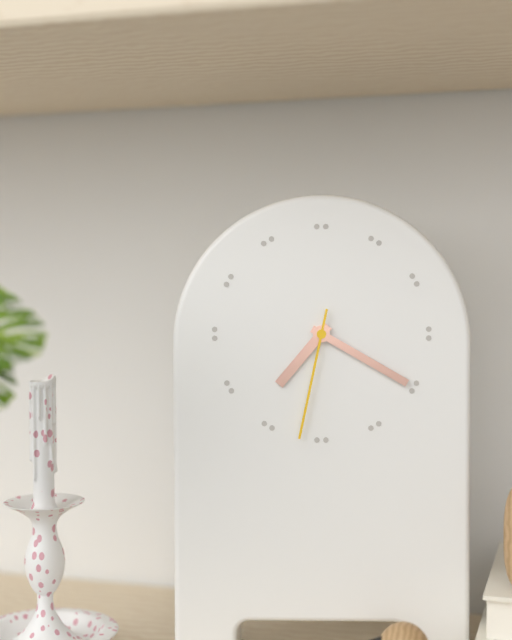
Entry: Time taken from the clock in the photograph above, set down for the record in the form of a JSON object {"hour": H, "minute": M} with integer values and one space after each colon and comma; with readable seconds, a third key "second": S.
{"hour": 7, "minute": 20, "second": 32}
